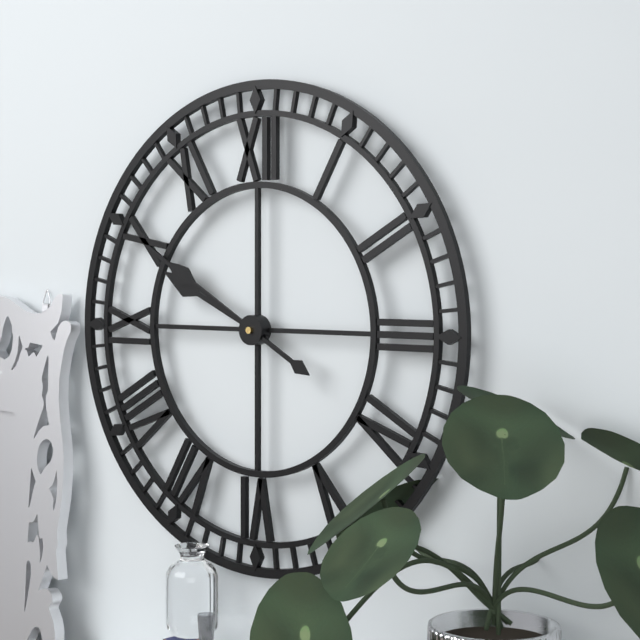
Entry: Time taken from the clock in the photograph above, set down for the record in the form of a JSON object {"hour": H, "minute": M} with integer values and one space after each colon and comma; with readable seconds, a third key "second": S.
{"hour": 9, "minute": 50}
